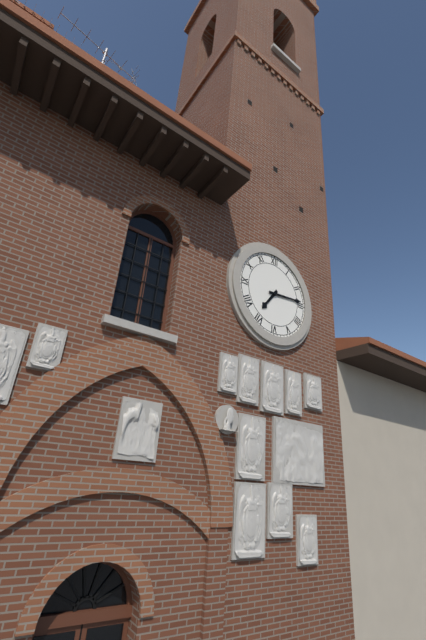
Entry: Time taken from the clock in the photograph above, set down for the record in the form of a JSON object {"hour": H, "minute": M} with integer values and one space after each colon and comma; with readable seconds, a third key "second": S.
{"hour": 7, "minute": 14}
